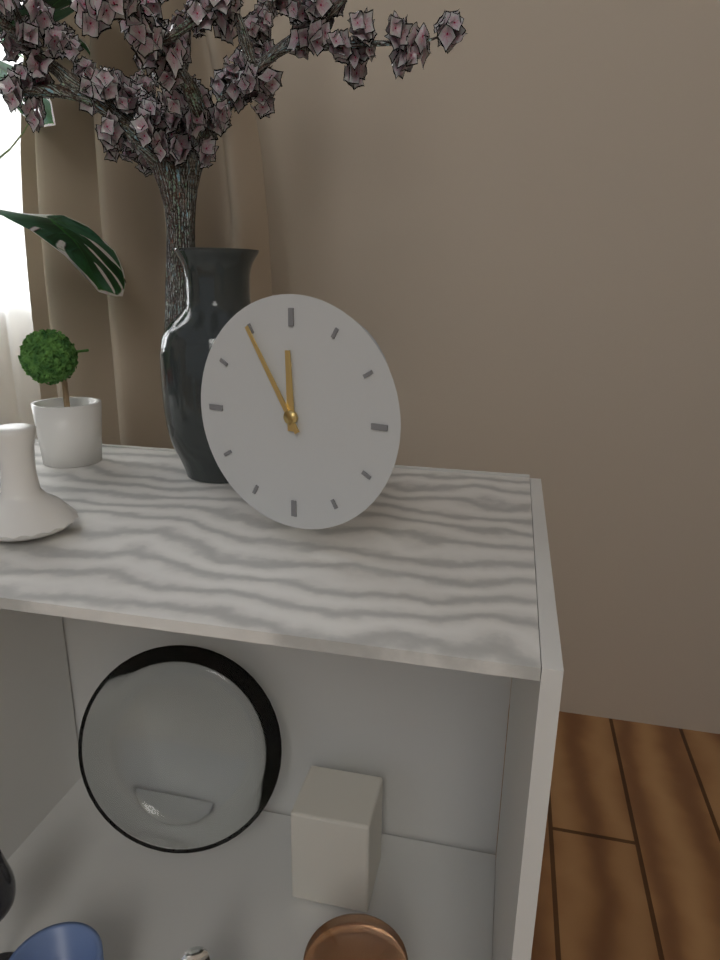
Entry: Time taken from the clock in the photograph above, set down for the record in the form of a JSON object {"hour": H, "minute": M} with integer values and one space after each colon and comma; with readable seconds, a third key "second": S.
{"hour": 11, "minute": 55}
